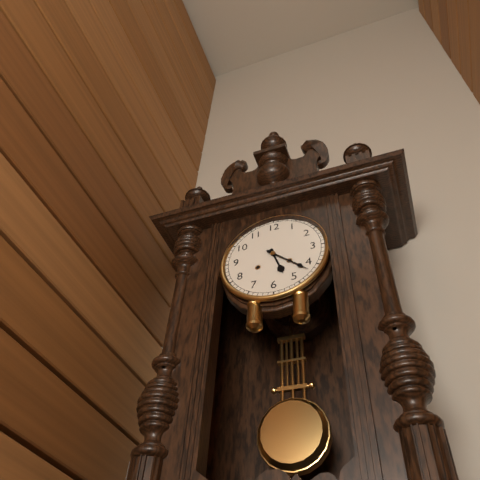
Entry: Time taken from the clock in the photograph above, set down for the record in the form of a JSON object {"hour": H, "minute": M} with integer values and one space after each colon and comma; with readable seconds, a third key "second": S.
{"hour": 5, "minute": 22}
